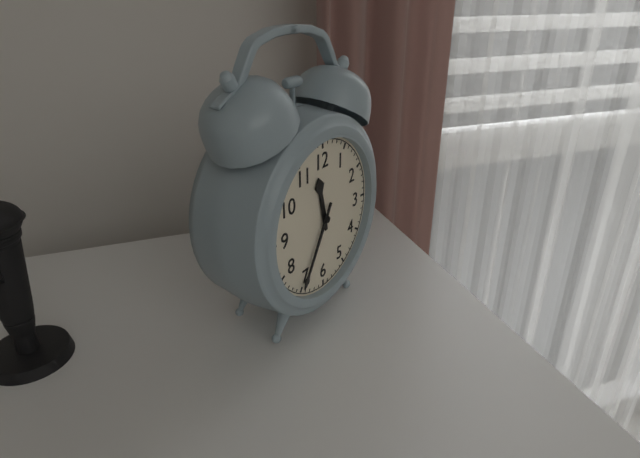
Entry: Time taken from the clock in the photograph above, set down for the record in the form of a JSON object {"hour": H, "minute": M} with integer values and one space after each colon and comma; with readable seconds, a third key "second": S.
{"hour": 11, "minute": 35}
